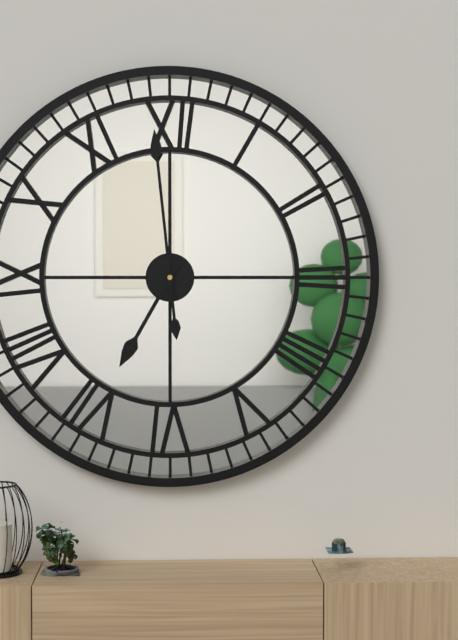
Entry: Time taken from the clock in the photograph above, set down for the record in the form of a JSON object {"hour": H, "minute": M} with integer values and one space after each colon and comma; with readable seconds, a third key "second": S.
{"hour": 6, "minute": 59}
